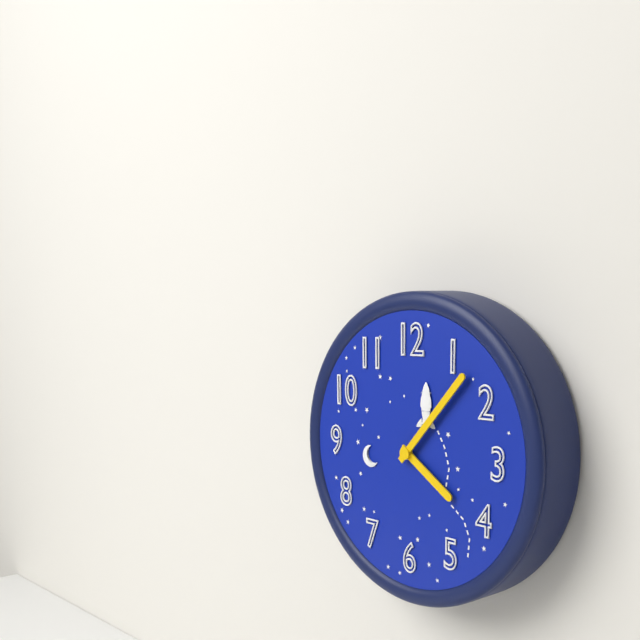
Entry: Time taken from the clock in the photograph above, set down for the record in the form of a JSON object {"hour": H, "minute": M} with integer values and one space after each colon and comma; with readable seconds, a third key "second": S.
{"hour": 4, "minute": 7}
